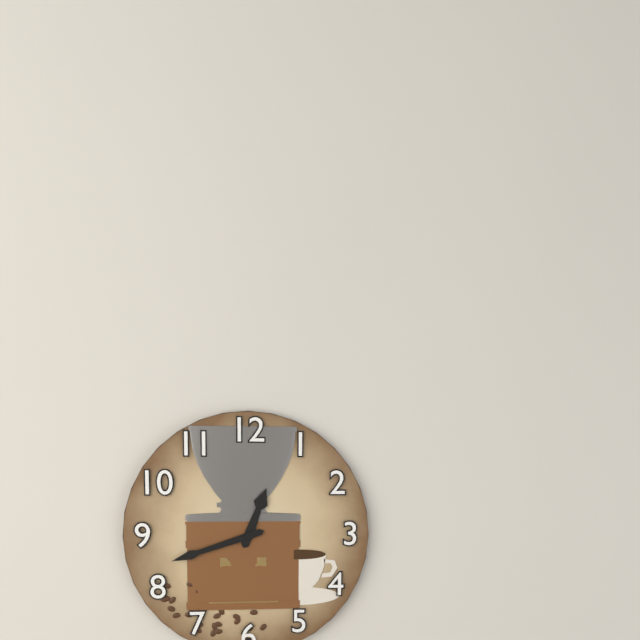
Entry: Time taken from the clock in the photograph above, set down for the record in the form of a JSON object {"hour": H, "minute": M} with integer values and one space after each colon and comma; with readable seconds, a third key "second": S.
{"hour": 12, "minute": 42}
